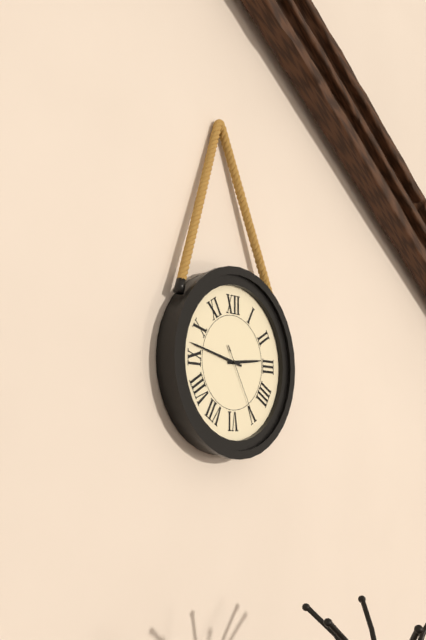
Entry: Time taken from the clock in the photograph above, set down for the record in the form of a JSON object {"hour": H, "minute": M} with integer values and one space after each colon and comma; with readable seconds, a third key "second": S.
{"hour": 2, "minute": 47, "second": 25}
